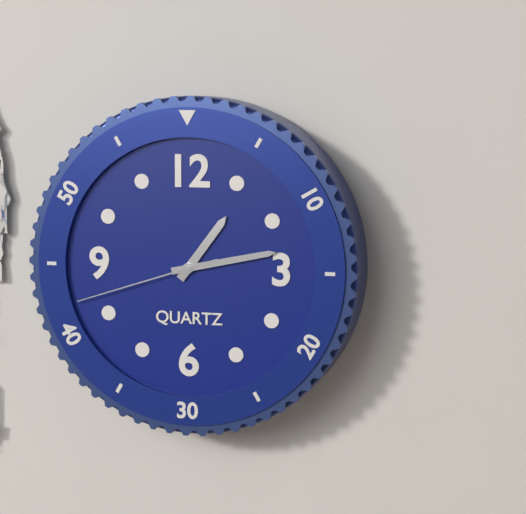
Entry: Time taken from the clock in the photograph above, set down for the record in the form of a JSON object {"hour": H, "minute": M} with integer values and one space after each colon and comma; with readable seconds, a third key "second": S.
{"hour": 1, "minute": 13, "second": 42}
